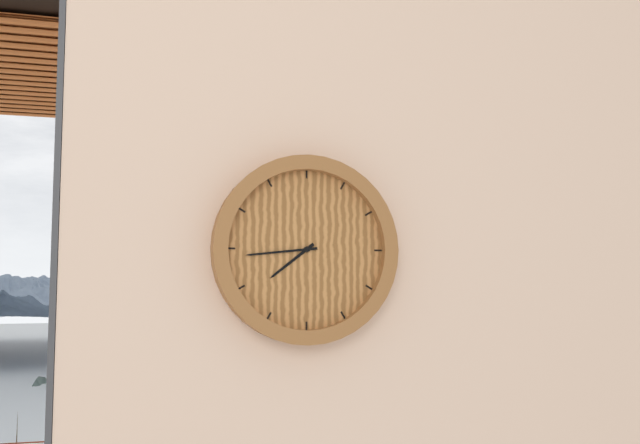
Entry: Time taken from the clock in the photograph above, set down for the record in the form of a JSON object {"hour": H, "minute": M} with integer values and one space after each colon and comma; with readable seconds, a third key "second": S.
{"hour": 7, "minute": 44}
